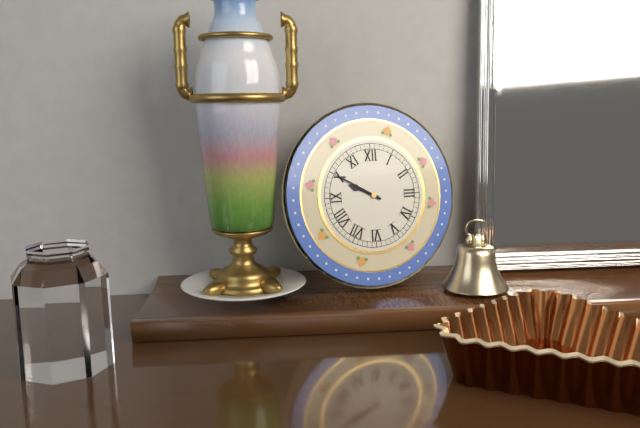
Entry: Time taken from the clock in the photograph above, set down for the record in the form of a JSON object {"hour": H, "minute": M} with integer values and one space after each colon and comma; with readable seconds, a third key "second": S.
{"hour": 9, "minute": 50}
